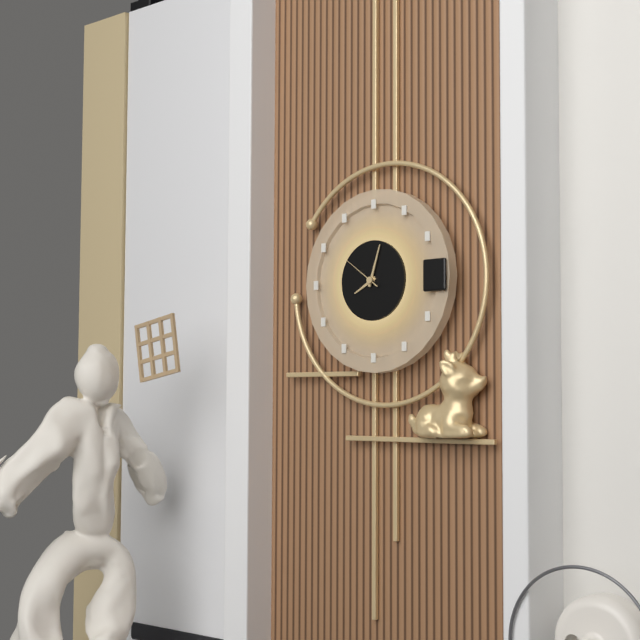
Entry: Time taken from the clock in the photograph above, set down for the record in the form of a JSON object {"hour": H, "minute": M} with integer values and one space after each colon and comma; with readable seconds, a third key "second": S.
{"hour": 8, "minute": 3}
